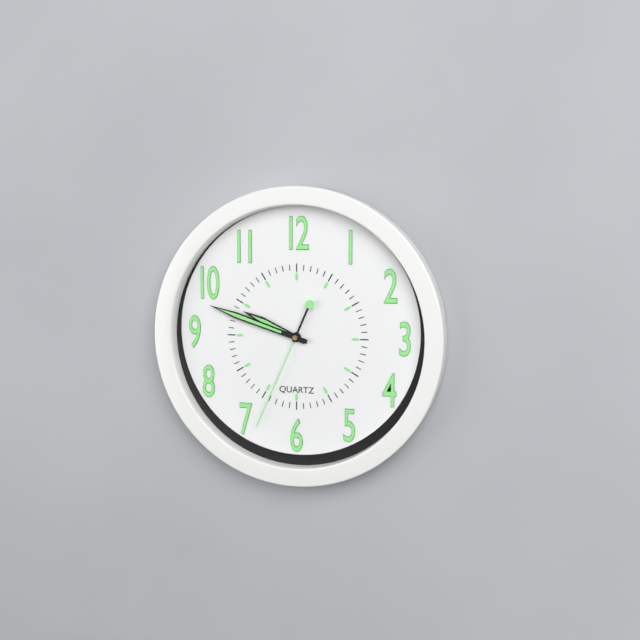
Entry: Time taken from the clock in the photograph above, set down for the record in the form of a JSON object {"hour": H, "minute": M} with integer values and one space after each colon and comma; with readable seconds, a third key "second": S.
{"hour": 9, "minute": 48, "second": 34}
